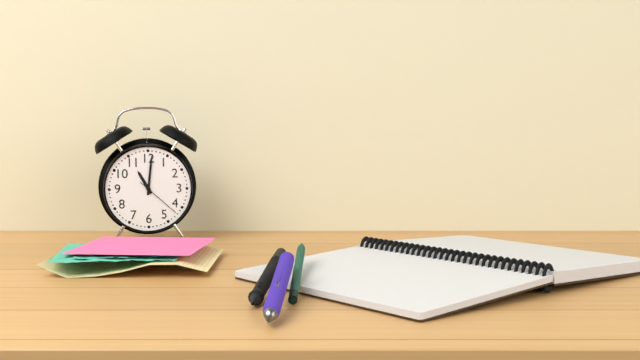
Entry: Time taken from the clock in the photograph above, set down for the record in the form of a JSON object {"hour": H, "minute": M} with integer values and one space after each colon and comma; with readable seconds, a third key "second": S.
{"hour": 11, "minute": 1}
